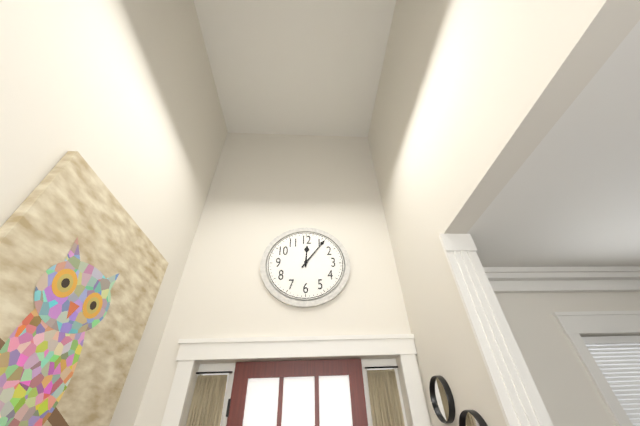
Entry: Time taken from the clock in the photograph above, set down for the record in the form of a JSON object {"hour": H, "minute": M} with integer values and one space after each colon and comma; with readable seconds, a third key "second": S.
{"hour": 12, "minute": 6}
